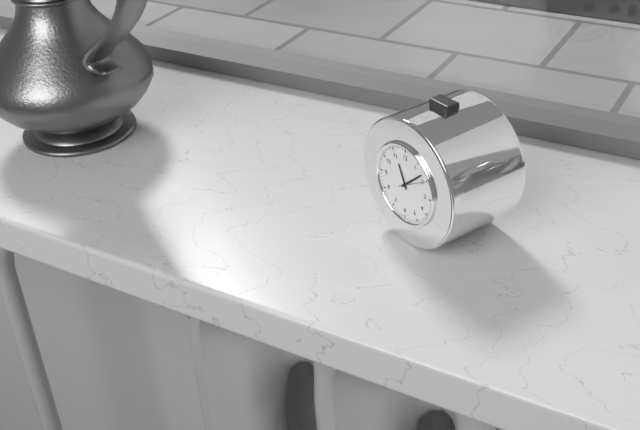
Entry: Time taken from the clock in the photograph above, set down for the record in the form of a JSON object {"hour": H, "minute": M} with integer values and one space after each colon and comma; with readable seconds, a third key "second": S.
{"hour": 11, "minute": 8}
